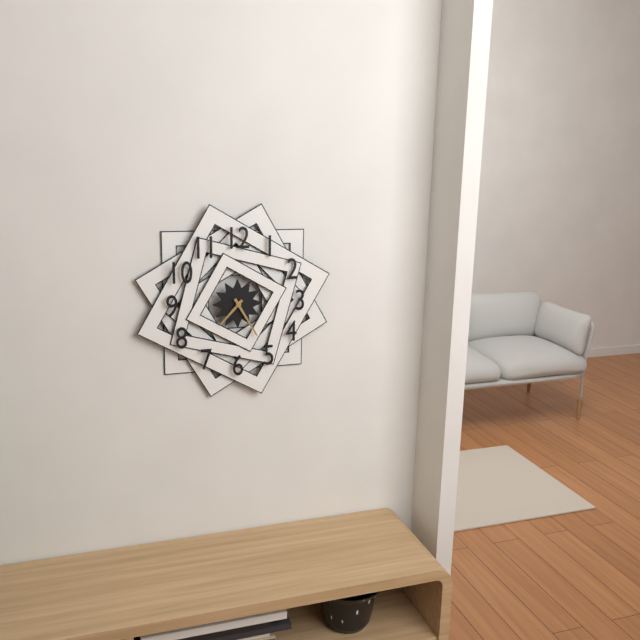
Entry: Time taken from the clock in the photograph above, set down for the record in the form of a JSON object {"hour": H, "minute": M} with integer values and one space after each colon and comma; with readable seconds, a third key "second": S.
{"hour": 7, "minute": 25}
